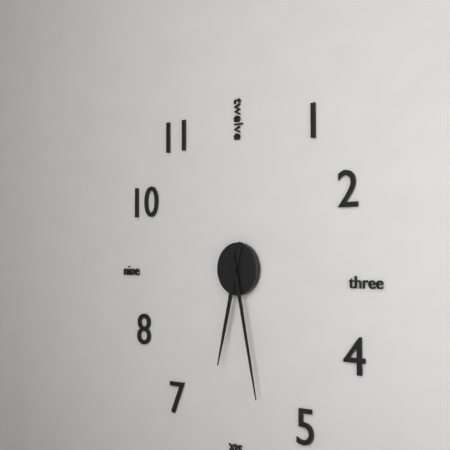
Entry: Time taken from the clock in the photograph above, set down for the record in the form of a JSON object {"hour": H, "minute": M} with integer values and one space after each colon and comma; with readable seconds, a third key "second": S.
{"hour": 6, "minute": 28}
